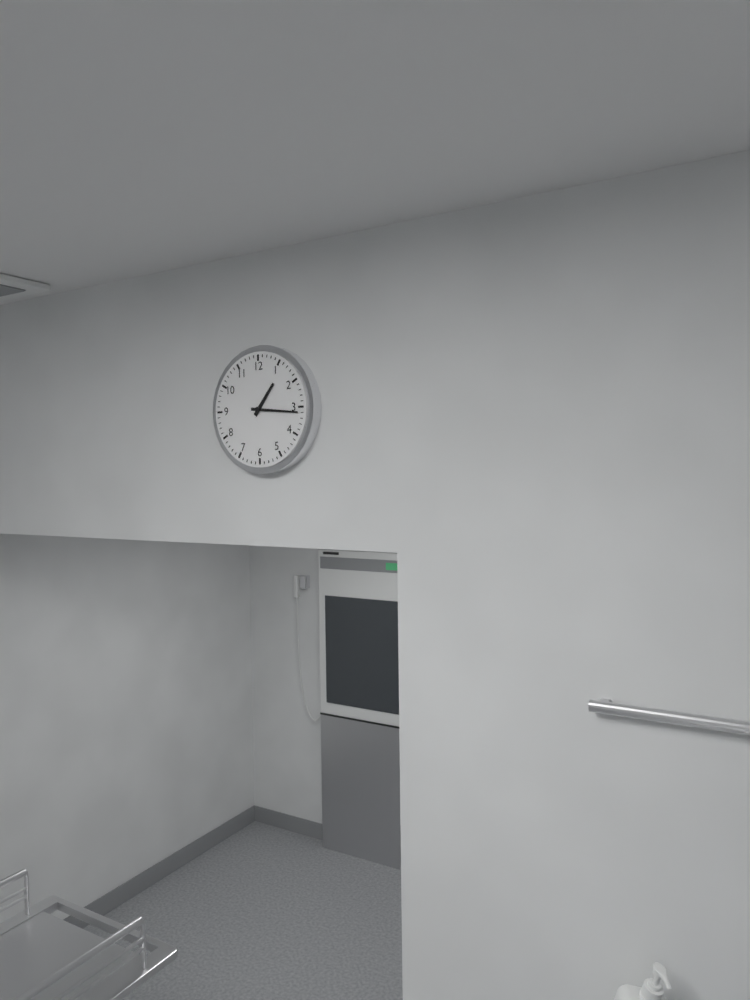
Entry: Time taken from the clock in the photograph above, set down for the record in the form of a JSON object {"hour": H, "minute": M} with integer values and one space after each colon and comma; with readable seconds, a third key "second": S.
{"hour": 1, "minute": 16}
